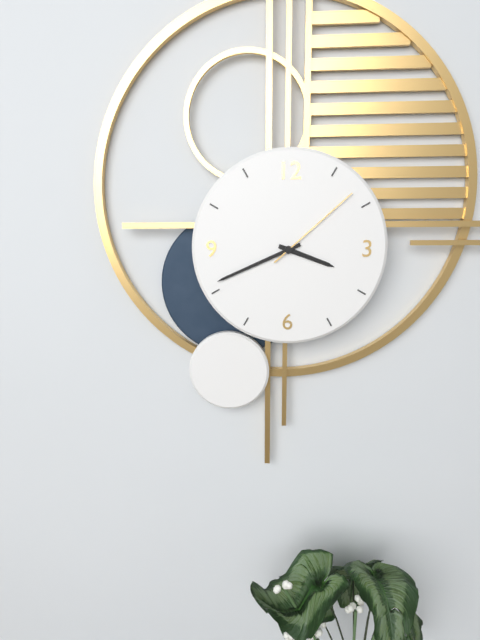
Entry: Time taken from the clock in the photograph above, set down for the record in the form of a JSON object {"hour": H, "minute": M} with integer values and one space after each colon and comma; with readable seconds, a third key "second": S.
{"hour": 3, "minute": 41, "second": 8}
